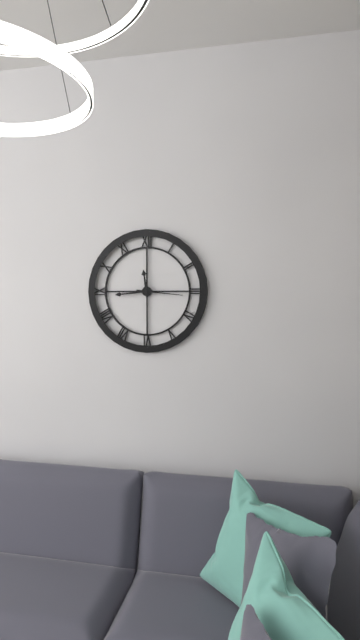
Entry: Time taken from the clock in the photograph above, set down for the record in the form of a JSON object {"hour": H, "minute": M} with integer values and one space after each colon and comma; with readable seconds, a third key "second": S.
{"hour": 11, "minute": 44}
